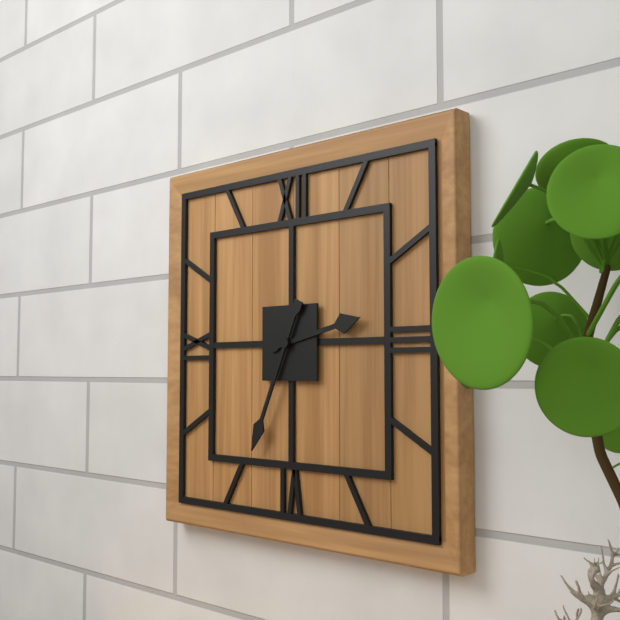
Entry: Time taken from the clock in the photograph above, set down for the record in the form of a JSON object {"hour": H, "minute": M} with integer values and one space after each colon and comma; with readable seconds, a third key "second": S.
{"hour": 2, "minute": 34}
